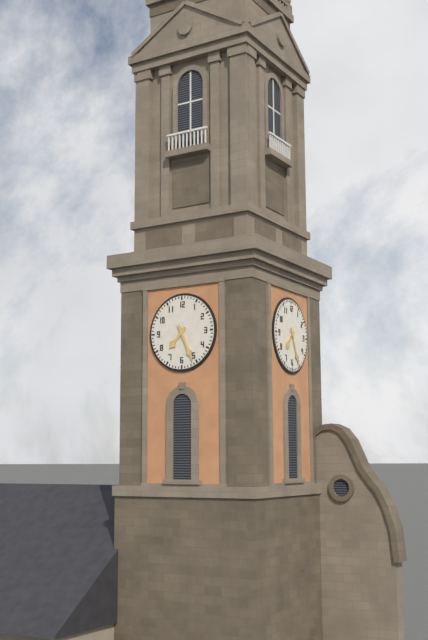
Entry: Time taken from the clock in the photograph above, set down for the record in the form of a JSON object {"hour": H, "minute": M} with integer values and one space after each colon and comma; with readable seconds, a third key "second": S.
{"hour": 7, "minute": 26}
